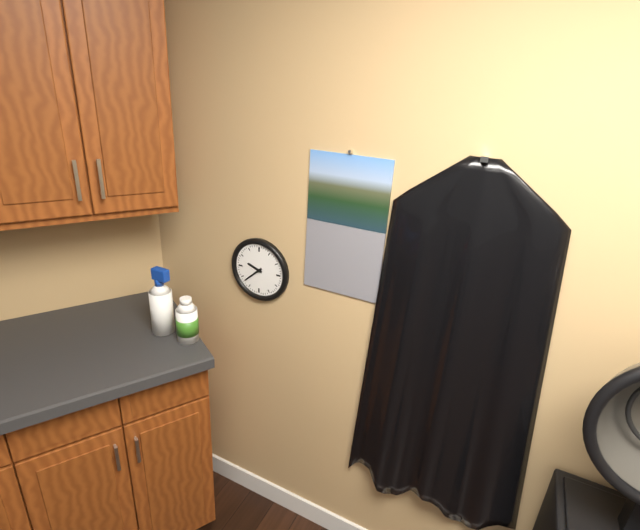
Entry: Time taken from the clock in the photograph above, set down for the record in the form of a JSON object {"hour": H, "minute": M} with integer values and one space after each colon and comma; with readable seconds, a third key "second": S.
{"hour": 9, "minute": 38}
